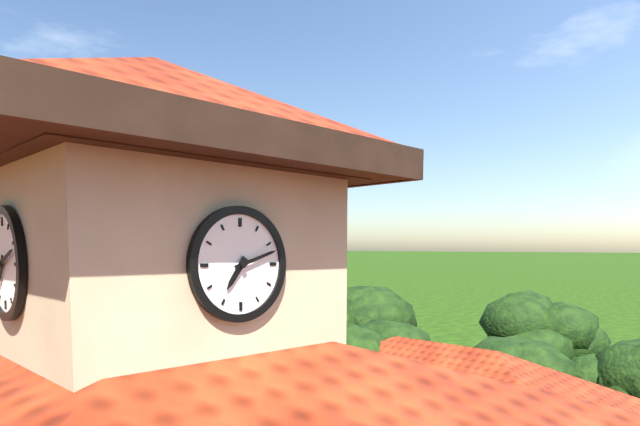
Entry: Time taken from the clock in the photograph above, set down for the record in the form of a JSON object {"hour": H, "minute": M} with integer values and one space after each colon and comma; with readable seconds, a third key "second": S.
{"hour": 7, "minute": 12}
